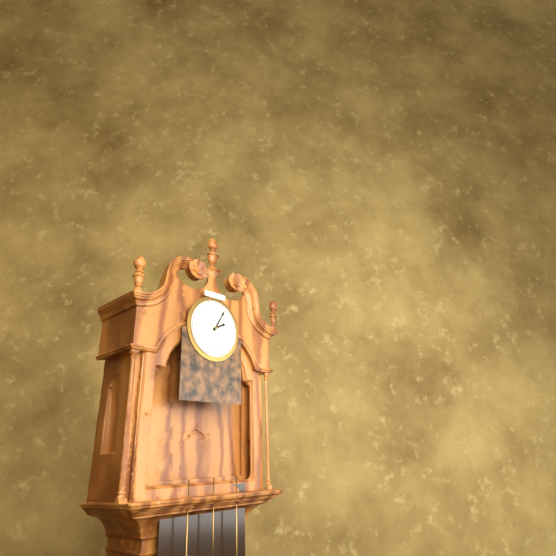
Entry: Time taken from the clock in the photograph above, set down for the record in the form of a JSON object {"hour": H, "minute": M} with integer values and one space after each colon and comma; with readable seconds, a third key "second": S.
{"hour": 2, "minute": 5}
